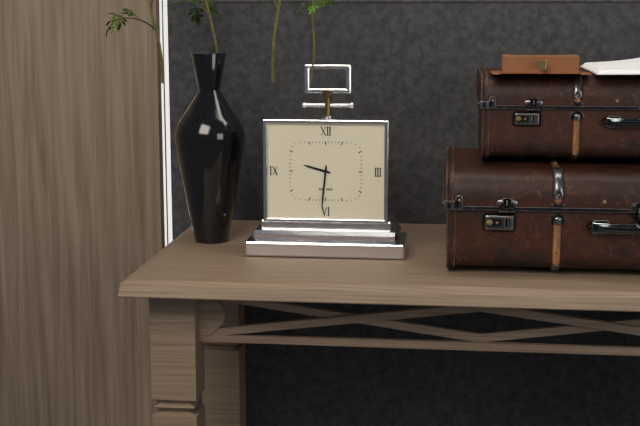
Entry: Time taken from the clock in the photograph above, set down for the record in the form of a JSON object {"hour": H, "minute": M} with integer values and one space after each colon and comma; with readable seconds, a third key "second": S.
{"hour": 9, "minute": 31}
